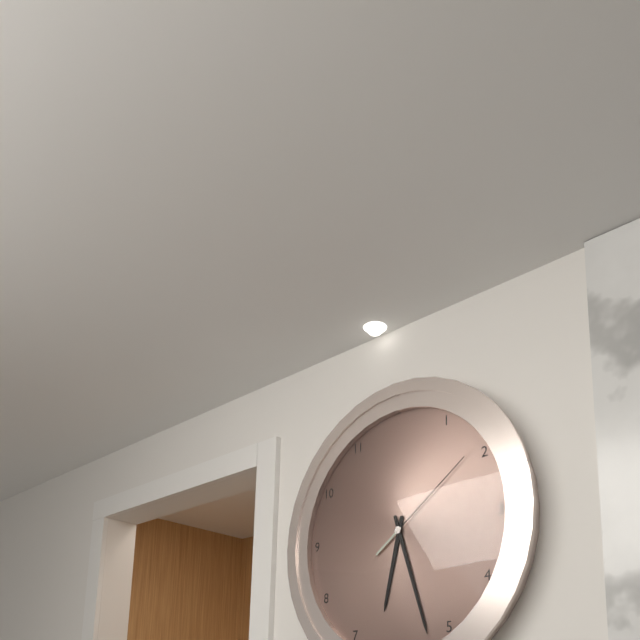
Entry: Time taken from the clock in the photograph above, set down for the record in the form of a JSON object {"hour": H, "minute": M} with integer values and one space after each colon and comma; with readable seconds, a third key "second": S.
{"hour": 6, "minute": 27, "second": 9}
